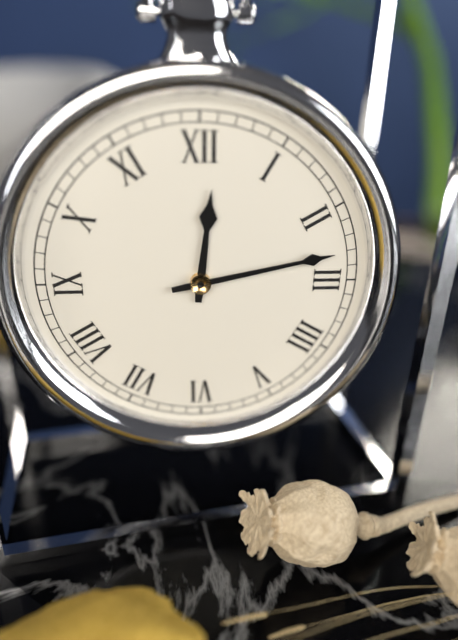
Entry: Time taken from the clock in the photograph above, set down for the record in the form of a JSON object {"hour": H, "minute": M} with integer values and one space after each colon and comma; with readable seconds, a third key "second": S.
{"hour": 12, "minute": 13}
